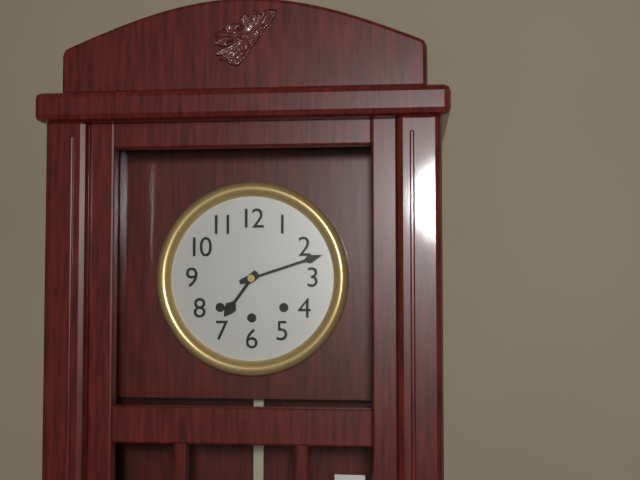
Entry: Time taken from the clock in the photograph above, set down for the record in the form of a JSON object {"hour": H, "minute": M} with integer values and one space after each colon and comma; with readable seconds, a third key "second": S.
{"hour": 7, "minute": 12}
